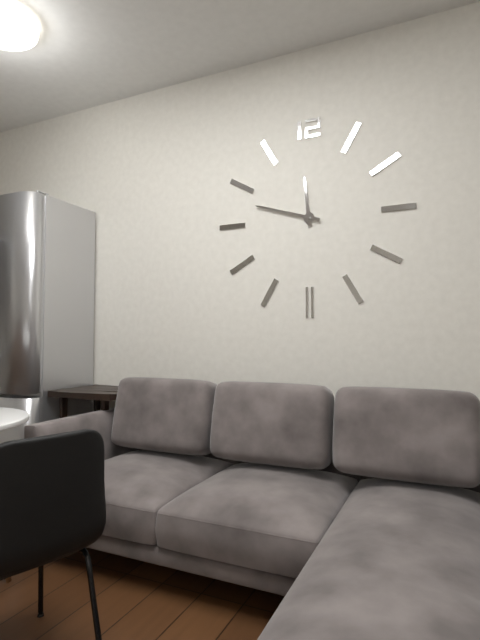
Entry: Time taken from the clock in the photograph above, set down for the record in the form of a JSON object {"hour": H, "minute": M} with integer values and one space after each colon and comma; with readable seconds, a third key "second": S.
{"hour": 11, "minute": 48}
